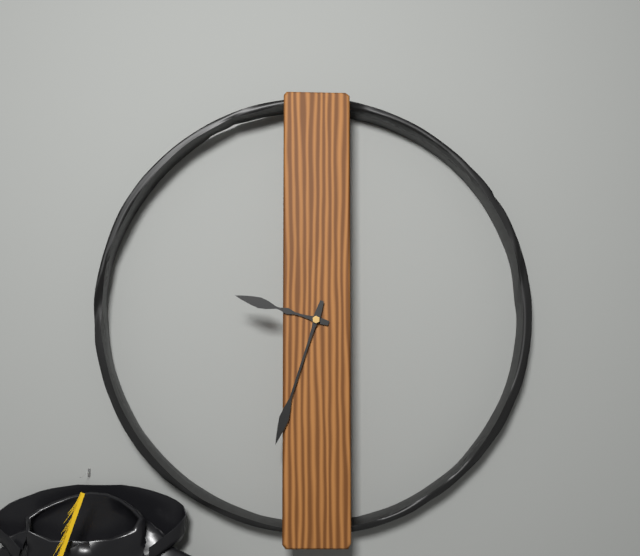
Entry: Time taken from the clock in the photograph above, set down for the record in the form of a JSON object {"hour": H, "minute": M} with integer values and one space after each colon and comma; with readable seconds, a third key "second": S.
{"hour": 9, "minute": 33}
